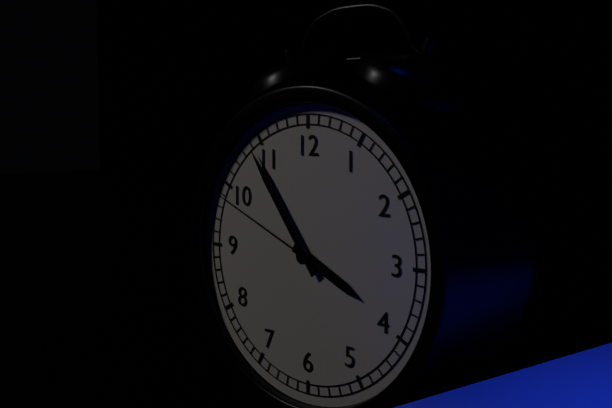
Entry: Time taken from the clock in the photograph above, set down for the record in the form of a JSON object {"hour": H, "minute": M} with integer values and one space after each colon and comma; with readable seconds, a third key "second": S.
{"hour": 3, "minute": 54, "second": 49}
